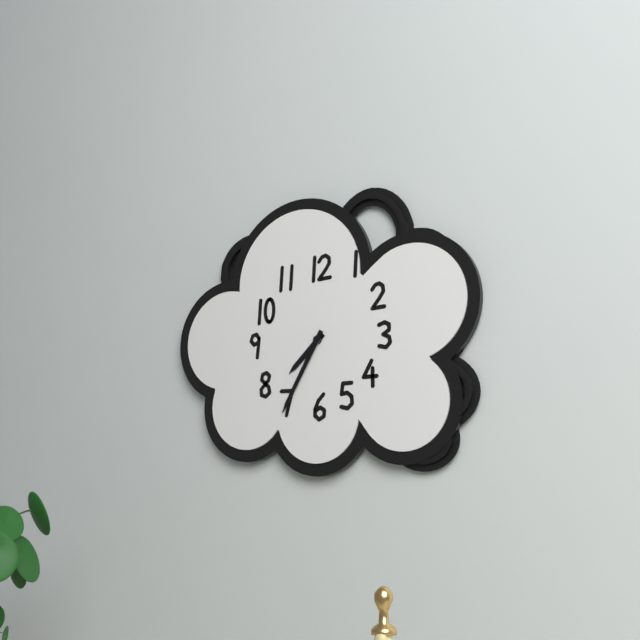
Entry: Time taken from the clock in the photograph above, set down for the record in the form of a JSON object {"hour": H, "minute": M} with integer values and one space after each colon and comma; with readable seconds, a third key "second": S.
{"hour": 7, "minute": 35}
